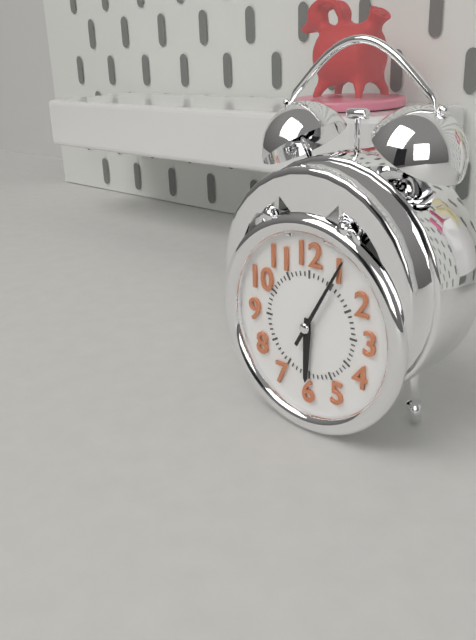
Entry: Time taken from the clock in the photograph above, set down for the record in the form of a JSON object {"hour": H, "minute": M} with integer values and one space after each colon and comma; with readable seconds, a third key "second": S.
{"hour": 6, "minute": 5}
